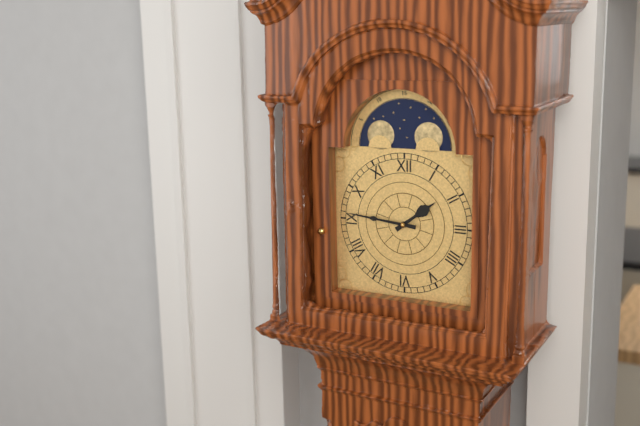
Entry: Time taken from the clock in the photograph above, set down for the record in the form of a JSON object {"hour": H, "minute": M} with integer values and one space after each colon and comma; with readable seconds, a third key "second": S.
{"hour": 1, "minute": 46}
